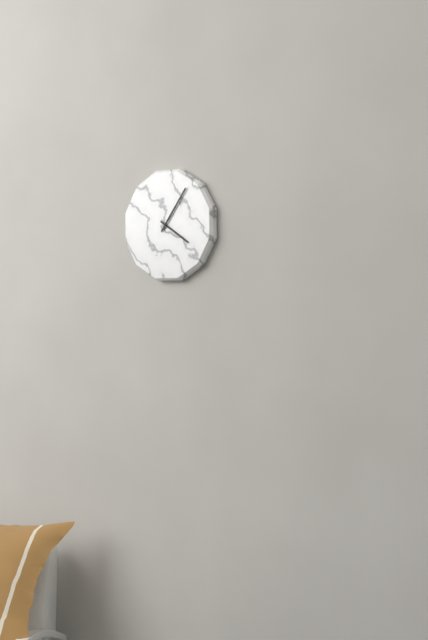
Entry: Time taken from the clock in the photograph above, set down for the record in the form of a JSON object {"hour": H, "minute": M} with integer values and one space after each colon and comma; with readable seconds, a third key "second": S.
{"hour": 4, "minute": 6}
